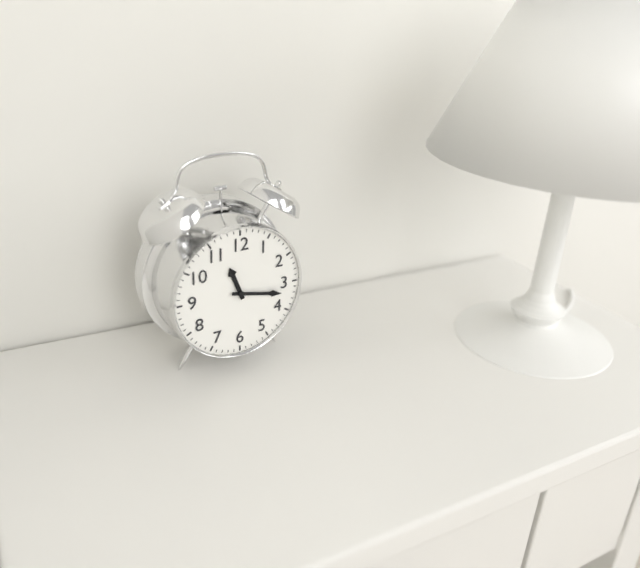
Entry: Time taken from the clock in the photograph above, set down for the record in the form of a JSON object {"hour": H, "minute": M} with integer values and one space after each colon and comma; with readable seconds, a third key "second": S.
{"hour": 11, "minute": 17}
